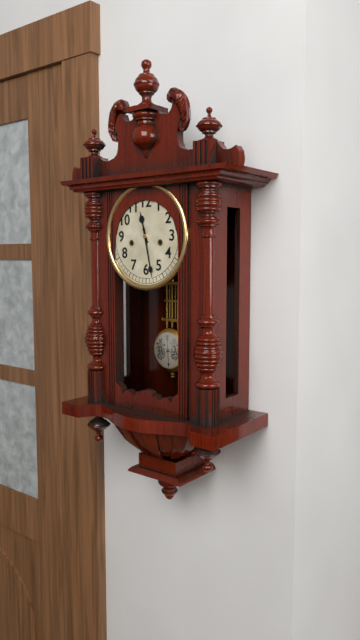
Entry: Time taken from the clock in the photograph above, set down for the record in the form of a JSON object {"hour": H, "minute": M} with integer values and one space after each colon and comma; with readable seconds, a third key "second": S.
{"hour": 11, "minute": 28}
